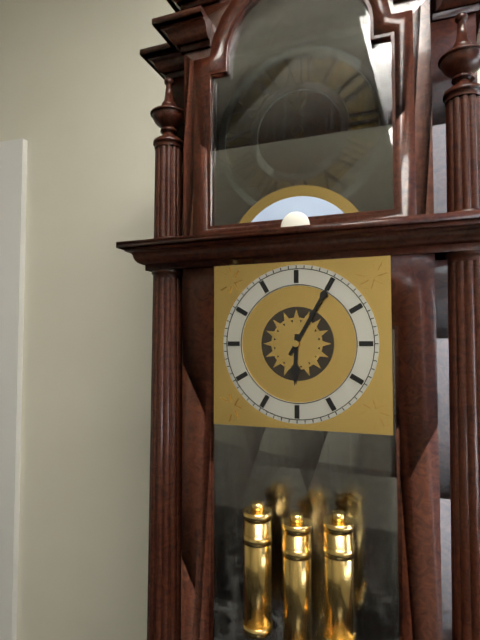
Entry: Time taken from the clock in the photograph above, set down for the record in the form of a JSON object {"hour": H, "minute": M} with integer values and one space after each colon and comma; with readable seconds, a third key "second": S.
{"hour": 6, "minute": 5}
